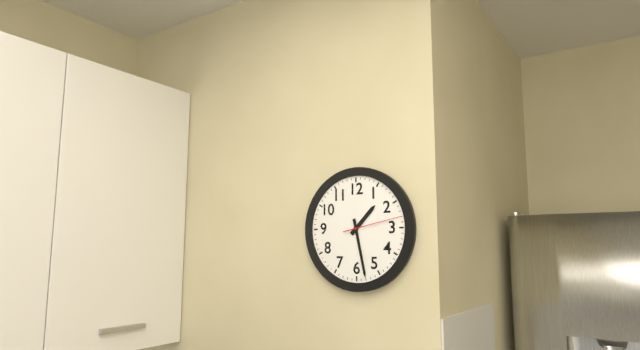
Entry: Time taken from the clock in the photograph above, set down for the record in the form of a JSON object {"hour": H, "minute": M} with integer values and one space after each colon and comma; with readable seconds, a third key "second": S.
{"hour": 1, "minute": 28, "second": 13}
